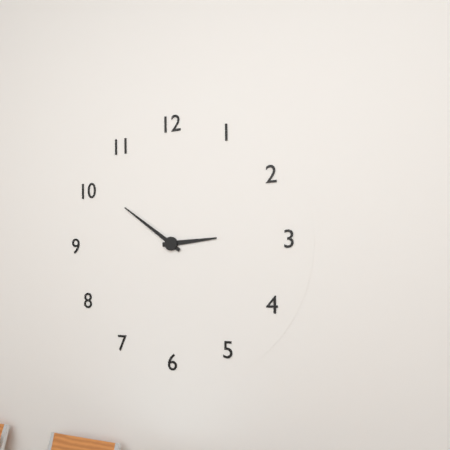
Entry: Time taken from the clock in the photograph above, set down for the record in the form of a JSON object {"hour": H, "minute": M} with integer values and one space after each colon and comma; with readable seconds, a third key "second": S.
{"hour": 2, "minute": 51}
